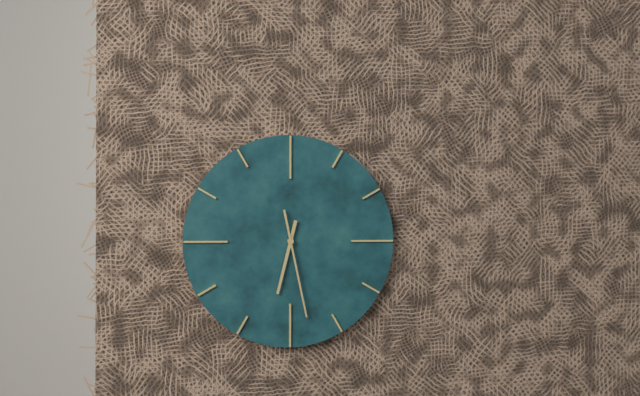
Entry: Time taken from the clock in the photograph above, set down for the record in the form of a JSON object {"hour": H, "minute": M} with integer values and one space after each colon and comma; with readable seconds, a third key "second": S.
{"hour": 6, "minute": 28}
